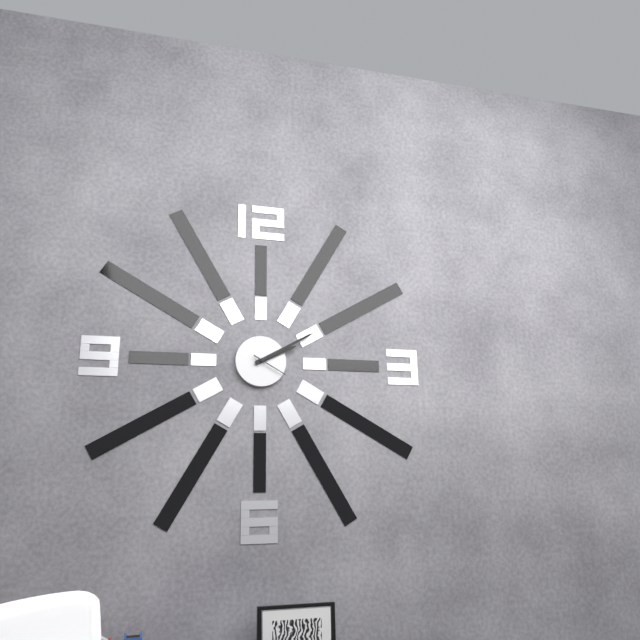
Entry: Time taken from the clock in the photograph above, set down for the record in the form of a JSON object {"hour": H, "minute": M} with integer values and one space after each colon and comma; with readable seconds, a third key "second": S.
{"hour": 2, "minute": 10}
